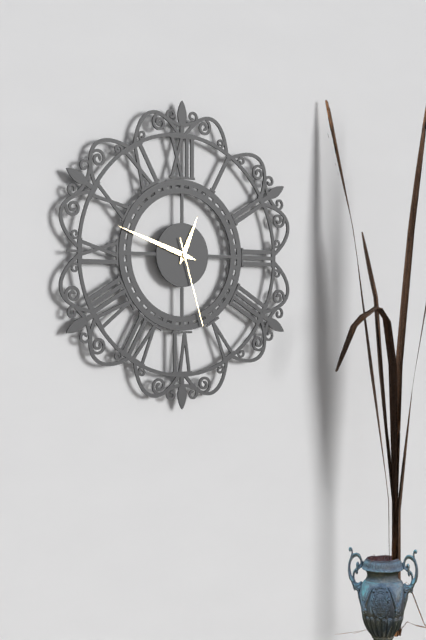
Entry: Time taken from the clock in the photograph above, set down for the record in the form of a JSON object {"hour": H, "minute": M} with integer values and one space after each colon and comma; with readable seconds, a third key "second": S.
{"hour": 12, "minute": 48, "second": 27}
